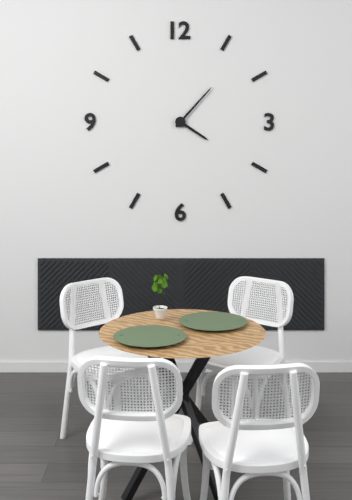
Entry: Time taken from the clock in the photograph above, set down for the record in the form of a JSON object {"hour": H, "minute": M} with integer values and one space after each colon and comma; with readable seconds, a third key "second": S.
{"hour": 4, "minute": 7}
